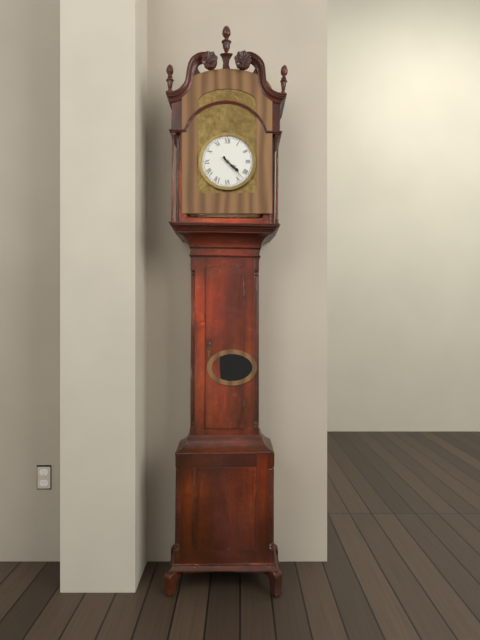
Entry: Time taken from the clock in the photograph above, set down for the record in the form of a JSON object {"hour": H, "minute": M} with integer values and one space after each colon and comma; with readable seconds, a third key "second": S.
{"hour": 4, "minute": 23}
